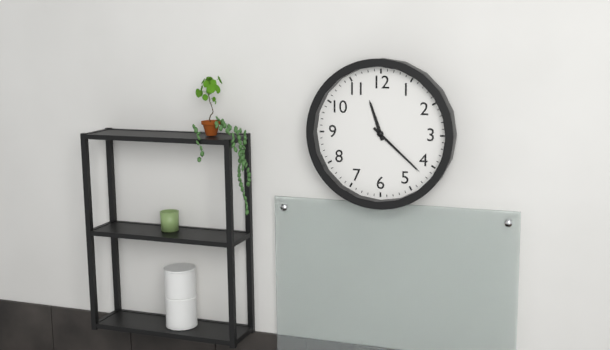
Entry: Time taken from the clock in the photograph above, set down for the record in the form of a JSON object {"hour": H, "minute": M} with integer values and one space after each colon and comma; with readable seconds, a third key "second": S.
{"hour": 11, "minute": 22}
